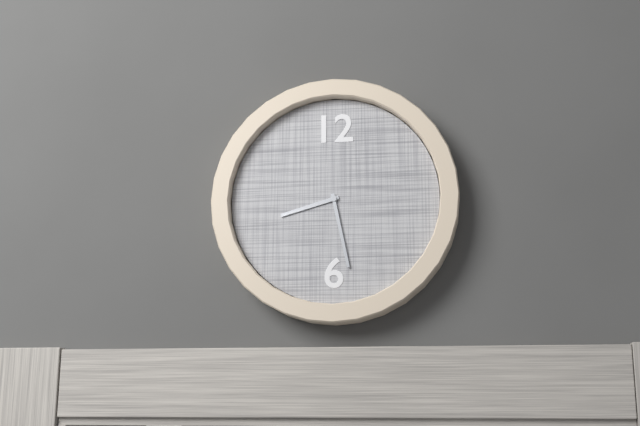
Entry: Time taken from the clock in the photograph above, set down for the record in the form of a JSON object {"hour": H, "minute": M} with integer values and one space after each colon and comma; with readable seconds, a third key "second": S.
{"hour": 8, "minute": 28}
